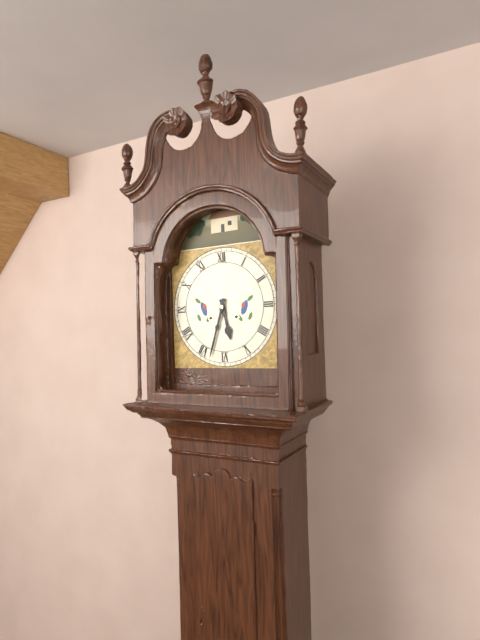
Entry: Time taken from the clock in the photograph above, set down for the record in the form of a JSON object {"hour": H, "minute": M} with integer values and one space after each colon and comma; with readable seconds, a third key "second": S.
{"hour": 5, "minute": 33}
